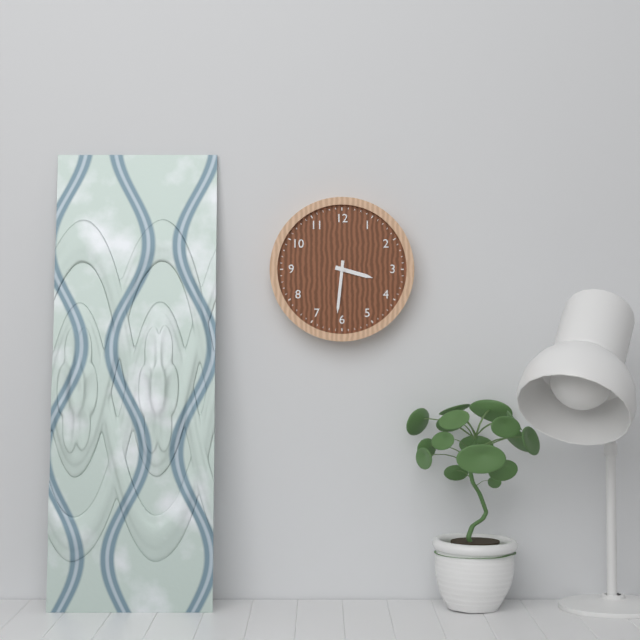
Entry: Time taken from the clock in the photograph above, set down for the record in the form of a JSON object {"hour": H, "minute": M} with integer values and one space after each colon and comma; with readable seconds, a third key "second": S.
{"hour": 3, "minute": 31}
